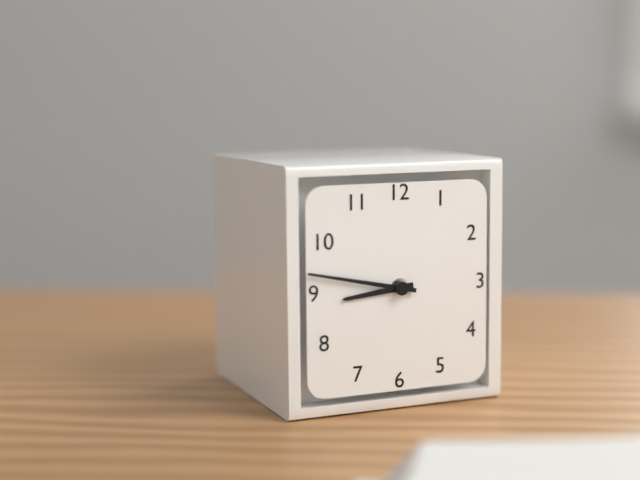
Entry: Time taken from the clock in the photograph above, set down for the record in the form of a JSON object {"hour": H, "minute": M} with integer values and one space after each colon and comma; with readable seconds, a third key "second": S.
{"hour": 8, "minute": 47}
